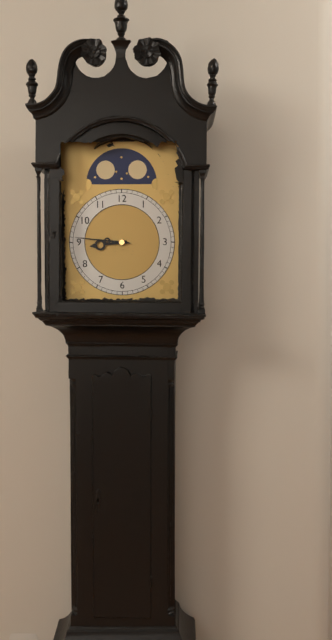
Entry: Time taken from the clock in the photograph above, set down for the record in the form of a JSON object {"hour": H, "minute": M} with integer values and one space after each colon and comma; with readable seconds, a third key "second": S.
{"hour": 8, "minute": 46}
